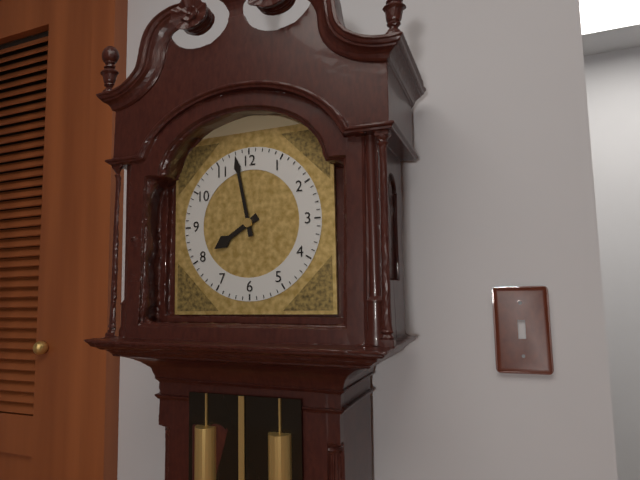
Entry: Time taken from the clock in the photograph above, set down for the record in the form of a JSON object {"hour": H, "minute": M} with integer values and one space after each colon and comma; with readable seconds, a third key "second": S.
{"hour": 7, "minute": 58}
